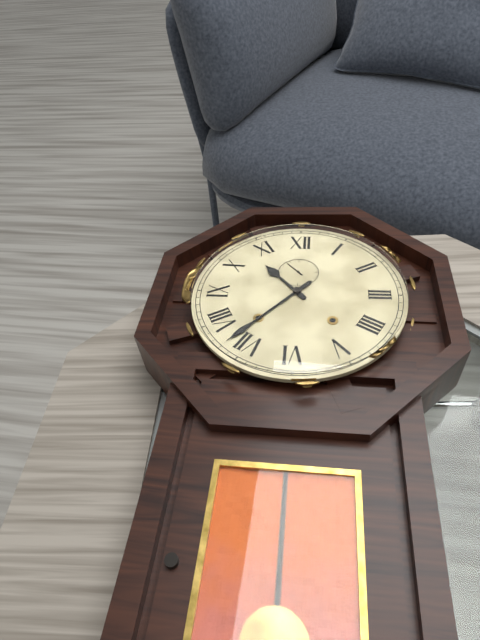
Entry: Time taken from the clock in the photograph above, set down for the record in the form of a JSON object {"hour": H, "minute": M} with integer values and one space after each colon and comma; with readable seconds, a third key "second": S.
{"hour": 10, "minute": 37, "second": 53}
